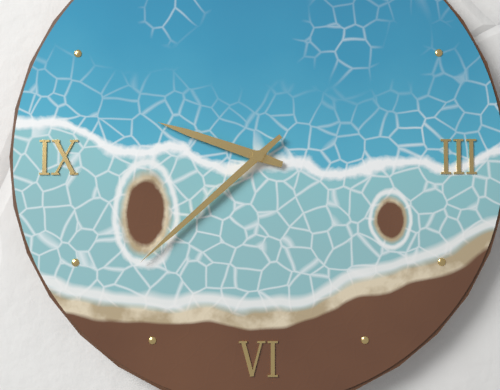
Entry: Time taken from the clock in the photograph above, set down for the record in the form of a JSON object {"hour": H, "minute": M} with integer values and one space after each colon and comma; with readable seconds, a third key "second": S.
{"hour": 9, "minute": 38}
